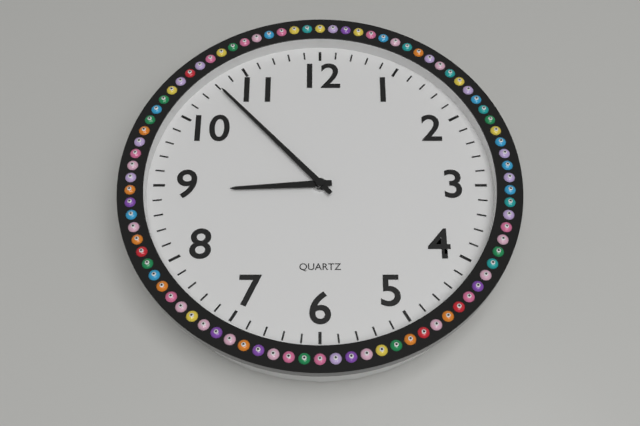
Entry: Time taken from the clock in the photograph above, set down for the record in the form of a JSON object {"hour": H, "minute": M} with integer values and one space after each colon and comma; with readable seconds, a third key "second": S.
{"hour": 8, "minute": 53}
